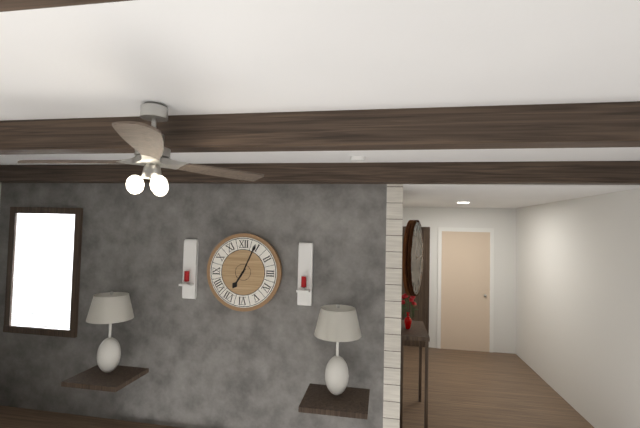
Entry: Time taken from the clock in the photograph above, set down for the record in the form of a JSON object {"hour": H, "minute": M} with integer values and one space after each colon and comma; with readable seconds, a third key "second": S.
{"hour": 7, "minute": 4}
